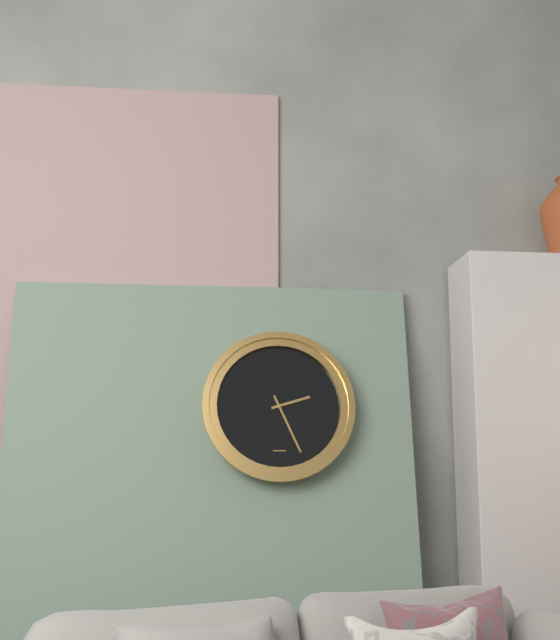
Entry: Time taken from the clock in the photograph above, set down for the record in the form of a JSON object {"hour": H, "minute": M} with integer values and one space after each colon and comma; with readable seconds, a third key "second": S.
{"hour": 2, "minute": 26}
